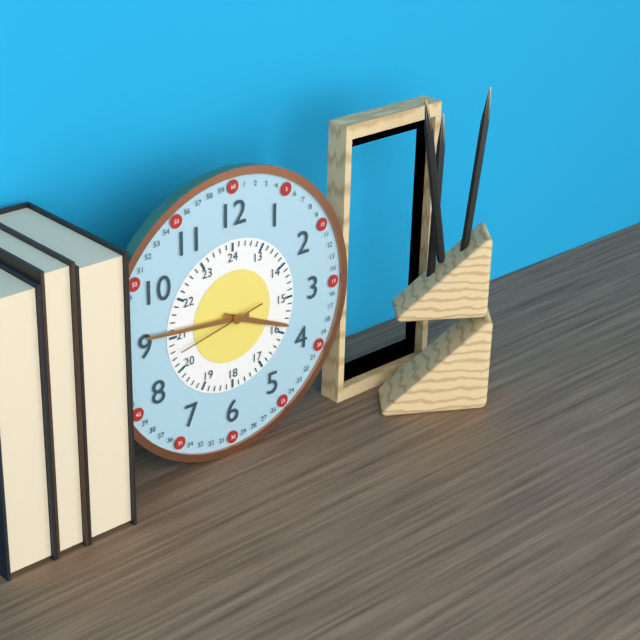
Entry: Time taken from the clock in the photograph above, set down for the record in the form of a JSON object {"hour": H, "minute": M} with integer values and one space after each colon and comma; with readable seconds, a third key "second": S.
{"hour": 3, "minute": 46, "second": 43}
